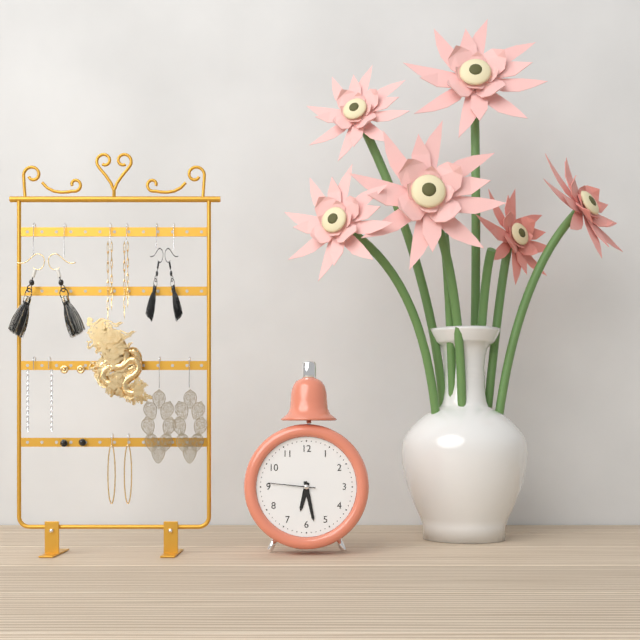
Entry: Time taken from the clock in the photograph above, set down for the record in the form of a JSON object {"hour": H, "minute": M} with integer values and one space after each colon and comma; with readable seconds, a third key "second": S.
{"hour": 6, "minute": 28}
